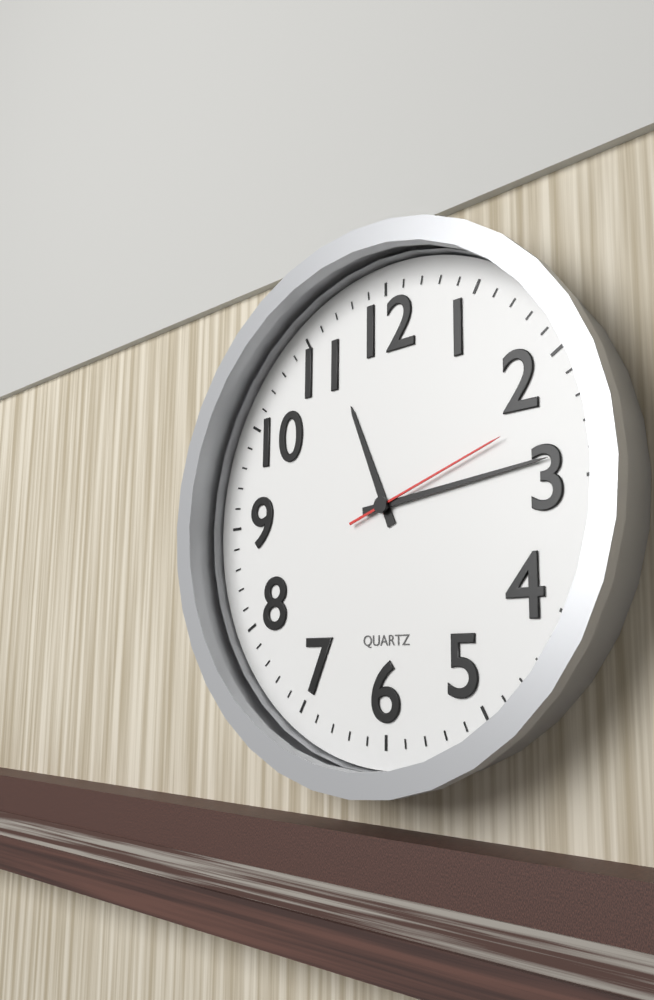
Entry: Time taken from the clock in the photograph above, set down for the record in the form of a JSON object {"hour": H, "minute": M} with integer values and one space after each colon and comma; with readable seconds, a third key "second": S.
{"hour": 11, "minute": 14, "second": 12}
